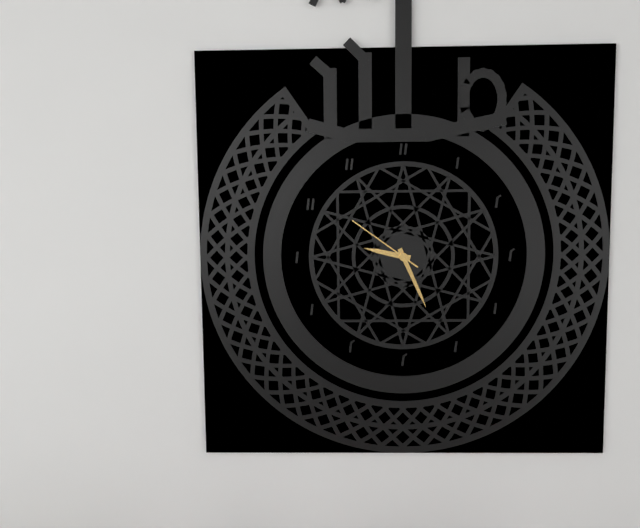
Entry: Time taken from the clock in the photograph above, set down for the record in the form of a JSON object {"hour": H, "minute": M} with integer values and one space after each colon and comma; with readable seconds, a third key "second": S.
{"hour": 9, "minute": 26, "second": 51}
